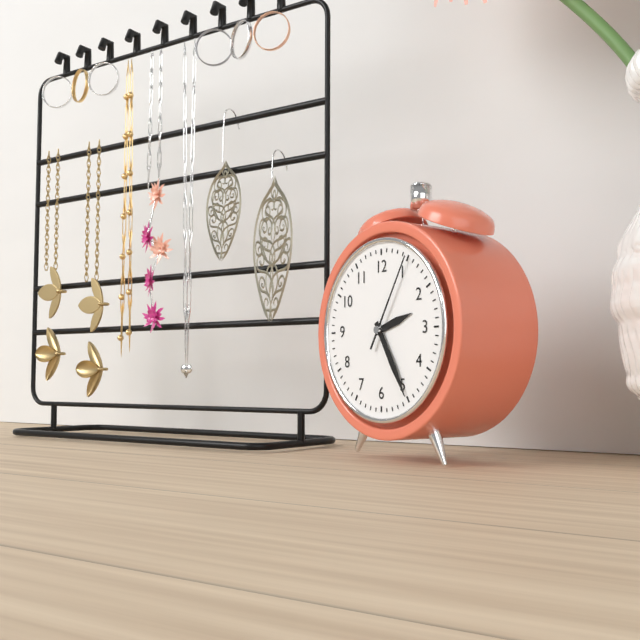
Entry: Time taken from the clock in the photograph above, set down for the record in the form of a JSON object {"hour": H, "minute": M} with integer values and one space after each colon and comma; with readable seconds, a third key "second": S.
{"hour": 2, "minute": 25, "second": 5}
